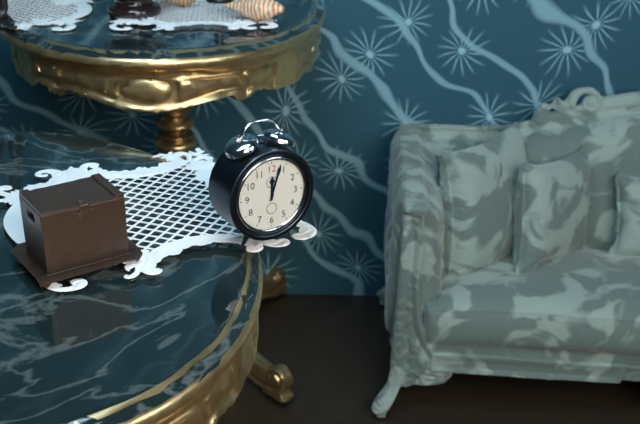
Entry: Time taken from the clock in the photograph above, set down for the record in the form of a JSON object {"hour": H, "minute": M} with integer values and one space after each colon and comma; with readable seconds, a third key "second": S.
{"hour": 12, "minute": 3}
